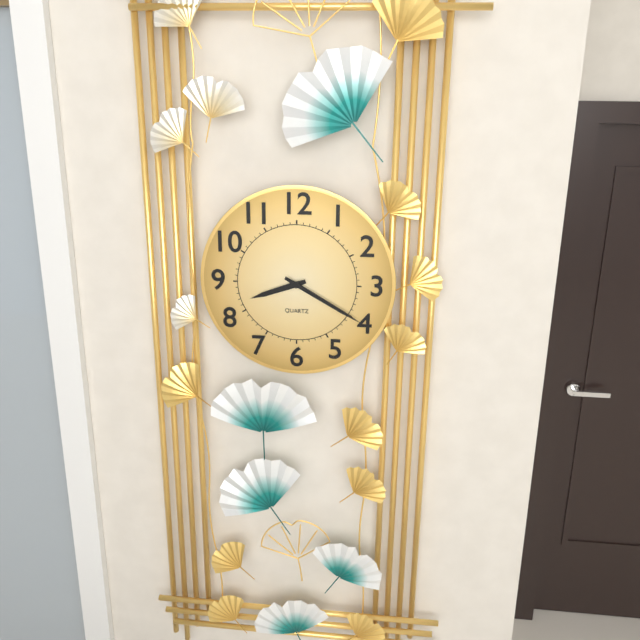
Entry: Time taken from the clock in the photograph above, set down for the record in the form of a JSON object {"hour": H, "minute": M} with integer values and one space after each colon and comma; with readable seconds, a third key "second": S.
{"hour": 8, "minute": 20}
